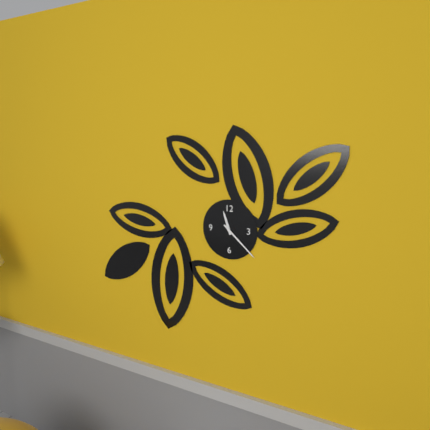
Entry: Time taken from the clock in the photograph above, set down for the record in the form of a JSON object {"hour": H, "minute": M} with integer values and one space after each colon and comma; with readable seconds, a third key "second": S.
{"hour": 11, "minute": 22}
